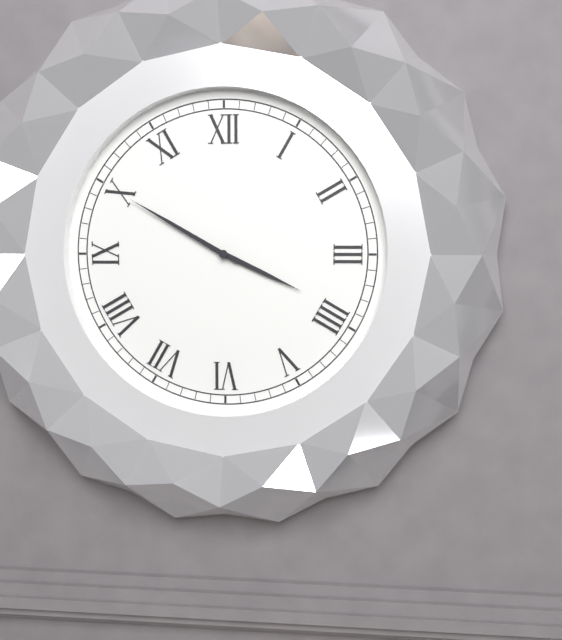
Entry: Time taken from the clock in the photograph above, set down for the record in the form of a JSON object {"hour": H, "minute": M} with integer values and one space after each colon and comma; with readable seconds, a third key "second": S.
{"hour": 3, "minute": 50}
